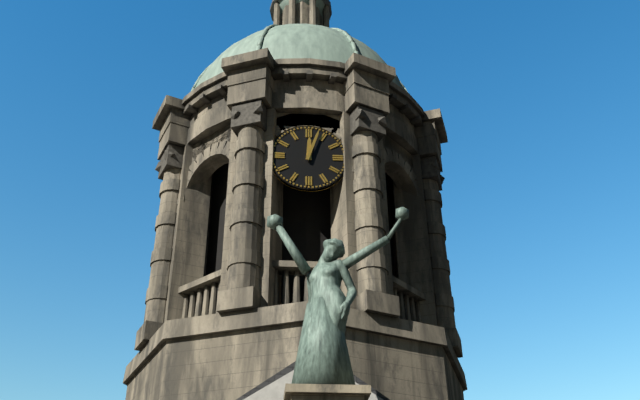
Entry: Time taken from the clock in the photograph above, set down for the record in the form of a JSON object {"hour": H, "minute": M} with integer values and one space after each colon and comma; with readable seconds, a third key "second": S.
{"hour": 12, "minute": 3}
